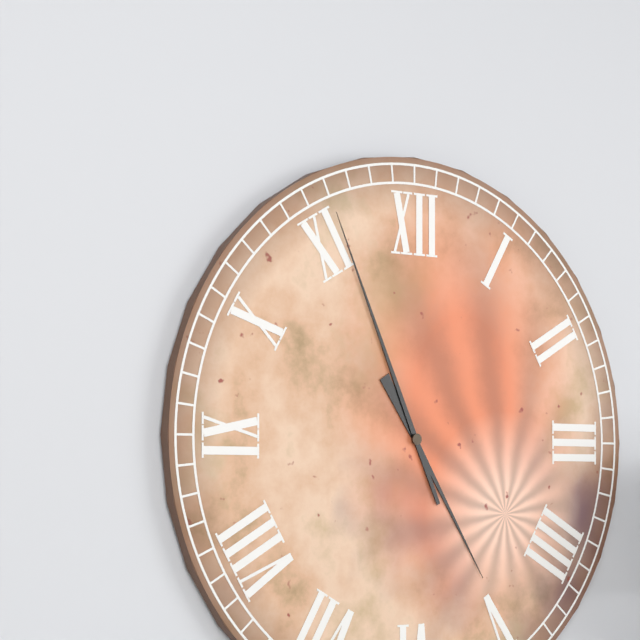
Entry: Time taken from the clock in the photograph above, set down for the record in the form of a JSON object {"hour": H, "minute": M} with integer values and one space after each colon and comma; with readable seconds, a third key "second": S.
{"hour": 4, "minute": 56}
